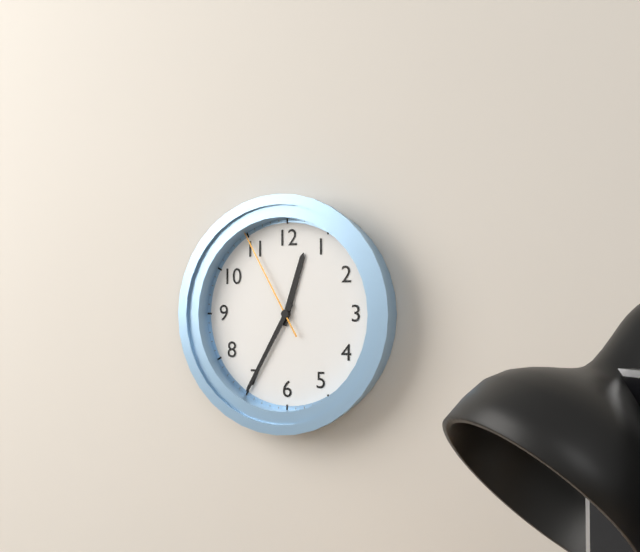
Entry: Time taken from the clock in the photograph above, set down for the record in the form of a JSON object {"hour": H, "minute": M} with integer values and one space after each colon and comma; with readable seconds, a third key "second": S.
{"hour": 12, "minute": 35, "second": 55}
